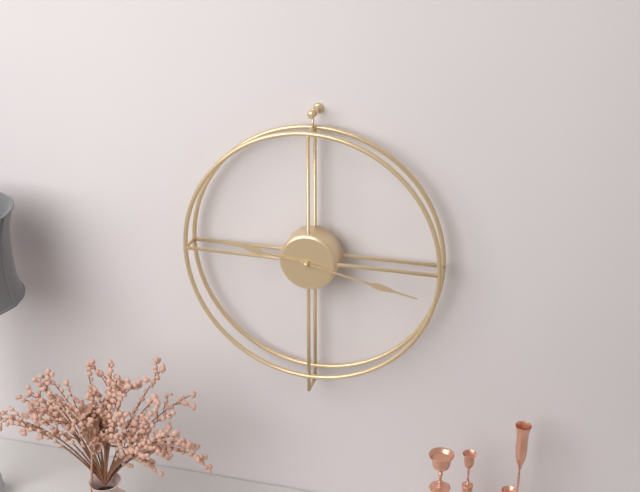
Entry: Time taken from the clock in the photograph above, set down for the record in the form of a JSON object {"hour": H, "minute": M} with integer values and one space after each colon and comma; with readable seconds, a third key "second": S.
{"hour": 9, "minute": 17}
